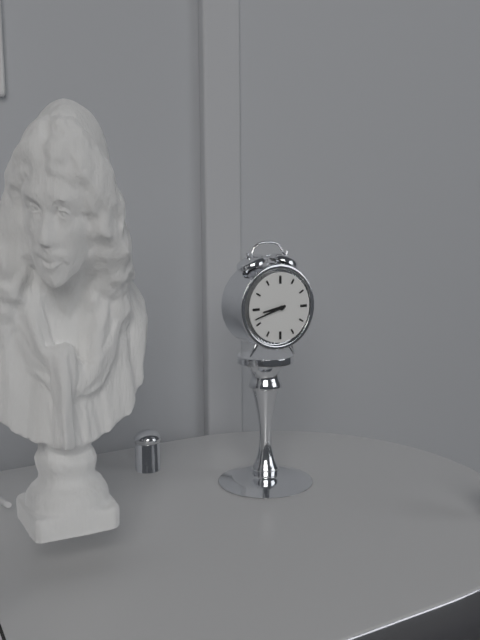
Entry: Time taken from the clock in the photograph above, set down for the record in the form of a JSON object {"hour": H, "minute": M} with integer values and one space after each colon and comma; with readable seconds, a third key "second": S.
{"hour": 8, "minute": 42}
